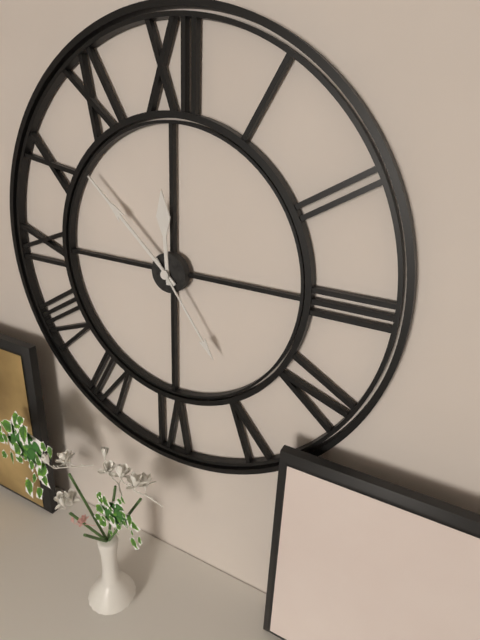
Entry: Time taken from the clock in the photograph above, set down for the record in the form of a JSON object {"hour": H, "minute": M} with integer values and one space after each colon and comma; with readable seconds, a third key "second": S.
{"hour": 11, "minute": 52, "second": 24}
